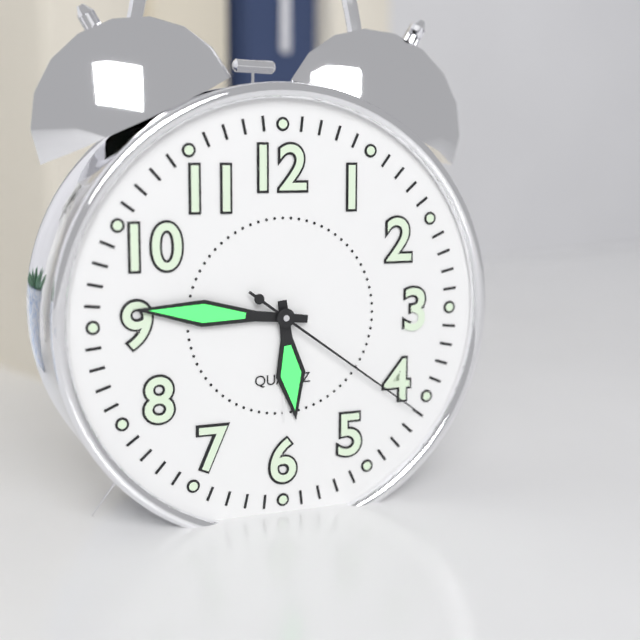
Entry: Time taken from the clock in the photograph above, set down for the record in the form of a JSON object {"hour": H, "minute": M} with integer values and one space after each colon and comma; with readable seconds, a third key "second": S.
{"hour": 5, "minute": 46, "second": 21}
